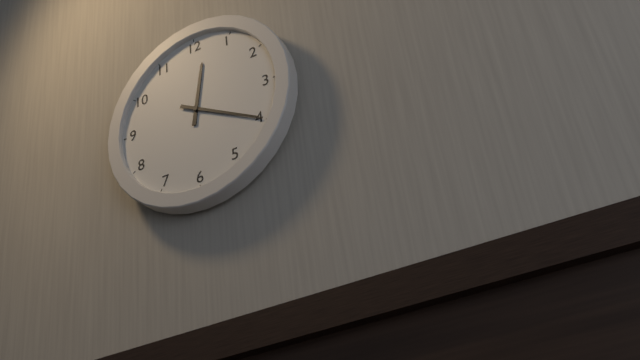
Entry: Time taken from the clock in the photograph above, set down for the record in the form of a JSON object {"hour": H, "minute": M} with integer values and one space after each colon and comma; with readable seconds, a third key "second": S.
{"hour": 12, "minute": 20}
